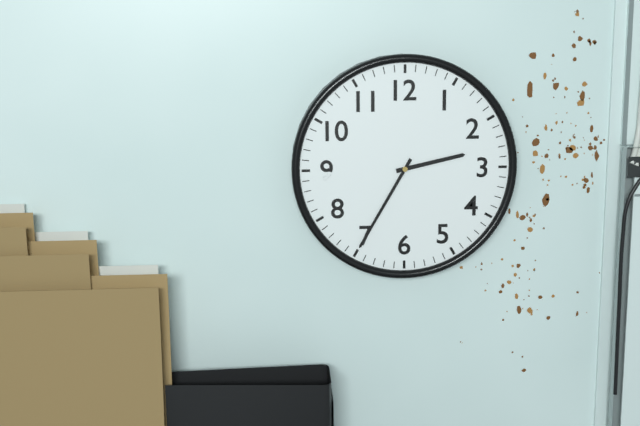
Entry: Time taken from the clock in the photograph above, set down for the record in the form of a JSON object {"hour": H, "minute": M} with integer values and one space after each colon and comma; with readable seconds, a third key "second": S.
{"hour": 2, "minute": 35}
